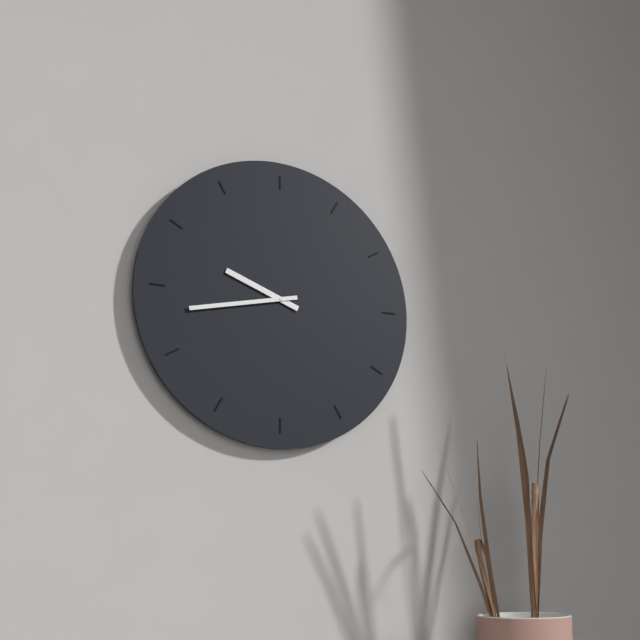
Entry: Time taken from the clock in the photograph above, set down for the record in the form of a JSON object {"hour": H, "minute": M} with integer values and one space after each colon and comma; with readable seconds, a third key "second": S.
{"hour": 9, "minute": 43}
